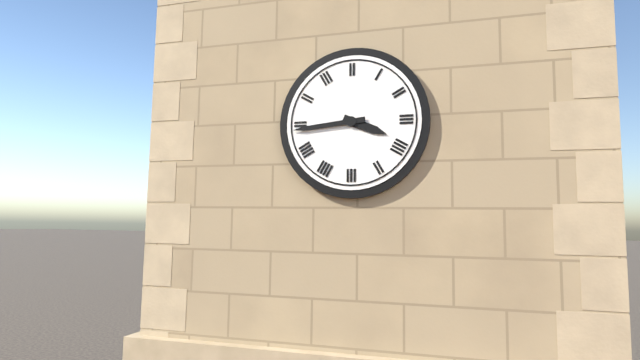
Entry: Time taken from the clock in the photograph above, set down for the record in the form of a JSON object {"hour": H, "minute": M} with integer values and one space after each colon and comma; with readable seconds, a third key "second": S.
{"hour": 3, "minute": 44}
